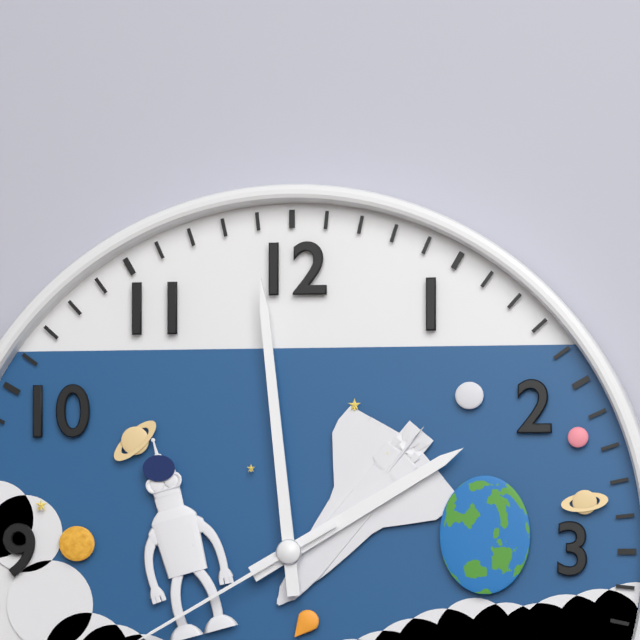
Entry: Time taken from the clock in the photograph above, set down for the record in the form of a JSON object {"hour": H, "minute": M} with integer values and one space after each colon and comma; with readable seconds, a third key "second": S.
{"hour": 1, "minute": 59}
